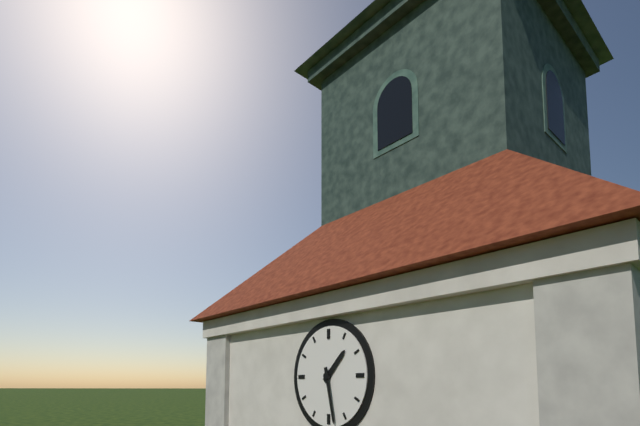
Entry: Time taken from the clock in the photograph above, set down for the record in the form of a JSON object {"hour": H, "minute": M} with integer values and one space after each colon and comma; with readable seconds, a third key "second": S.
{"hour": 1, "minute": 28}
